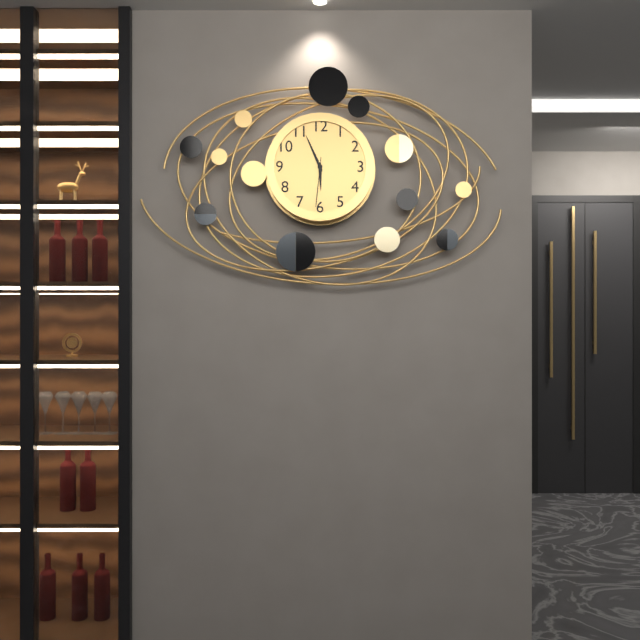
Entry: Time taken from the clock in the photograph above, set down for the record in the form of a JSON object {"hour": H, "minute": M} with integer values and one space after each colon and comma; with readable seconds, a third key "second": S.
{"hour": 5, "minute": 56, "second": 31}
